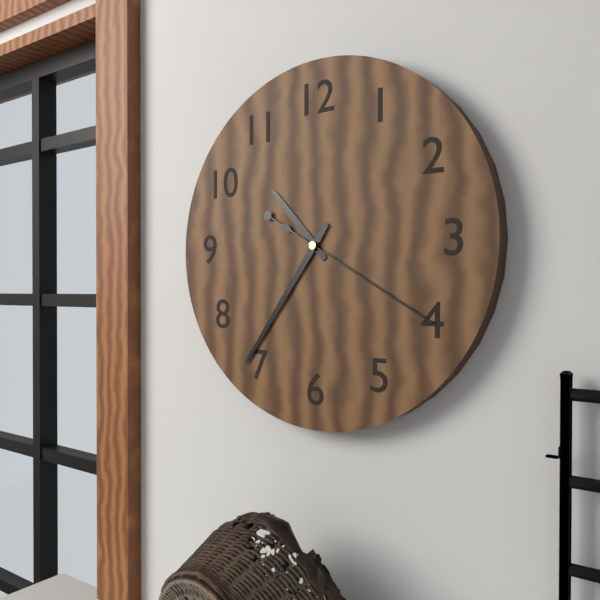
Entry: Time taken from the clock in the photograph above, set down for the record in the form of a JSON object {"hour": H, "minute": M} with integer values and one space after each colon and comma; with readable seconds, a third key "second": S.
{"hour": 10, "minute": 36, "second": 20}
